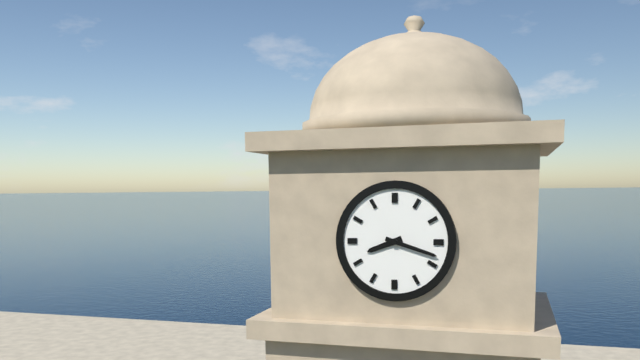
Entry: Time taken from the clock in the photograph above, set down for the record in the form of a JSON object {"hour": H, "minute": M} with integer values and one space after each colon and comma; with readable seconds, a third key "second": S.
{"hour": 8, "minute": 18}
